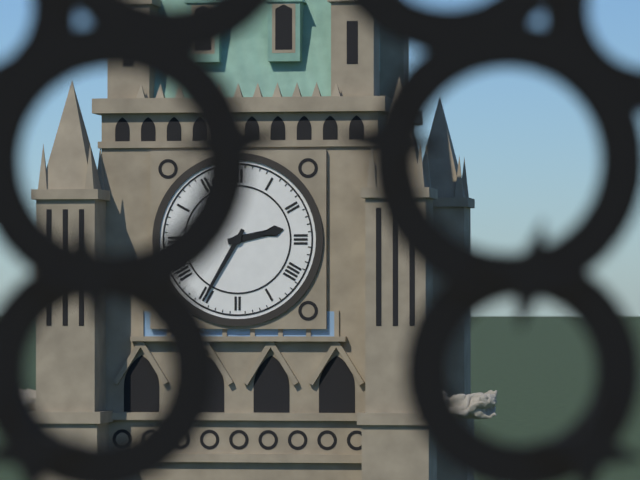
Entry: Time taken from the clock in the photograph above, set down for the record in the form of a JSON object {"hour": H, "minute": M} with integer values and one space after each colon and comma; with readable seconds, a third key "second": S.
{"hour": 2, "minute": 35}
